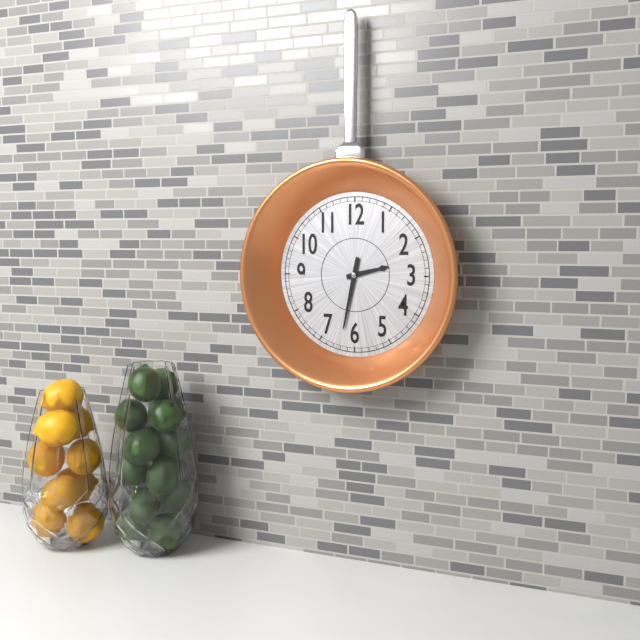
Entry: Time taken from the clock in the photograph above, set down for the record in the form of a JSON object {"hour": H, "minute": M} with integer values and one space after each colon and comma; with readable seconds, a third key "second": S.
{"hour": 2, "minute": 32}
